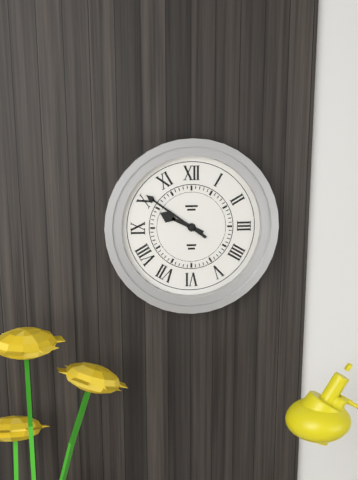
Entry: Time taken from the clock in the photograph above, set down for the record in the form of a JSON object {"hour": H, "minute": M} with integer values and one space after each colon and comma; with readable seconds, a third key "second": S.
{"hour": 9, "minute": 51}
